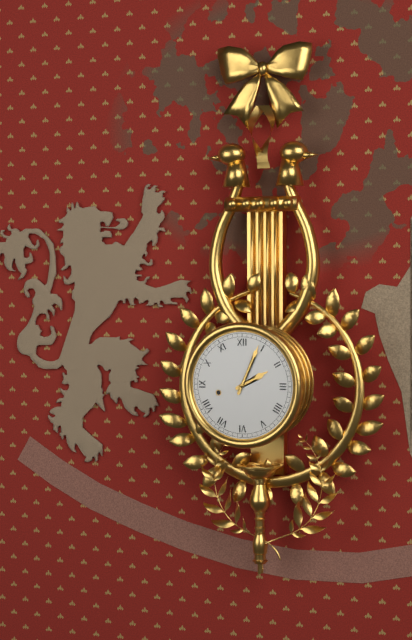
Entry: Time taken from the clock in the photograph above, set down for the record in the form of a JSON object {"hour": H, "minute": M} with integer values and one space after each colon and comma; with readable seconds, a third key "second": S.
{"hour": 2, "minute": 4}
